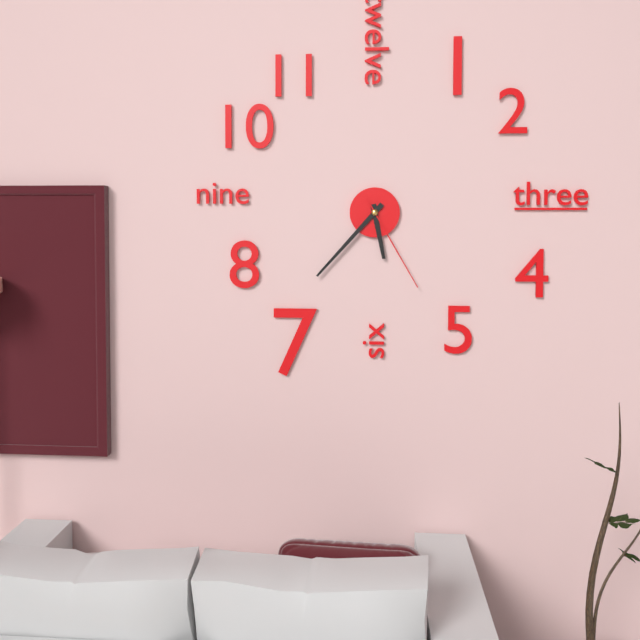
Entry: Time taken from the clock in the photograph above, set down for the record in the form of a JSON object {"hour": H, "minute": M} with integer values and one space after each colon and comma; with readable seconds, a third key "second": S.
{"hour": 5, "minute": 37, "second": 25}
